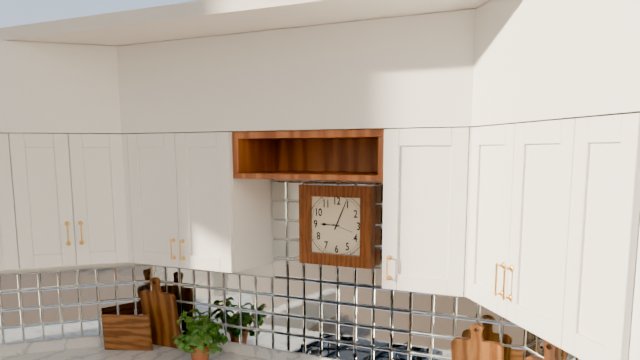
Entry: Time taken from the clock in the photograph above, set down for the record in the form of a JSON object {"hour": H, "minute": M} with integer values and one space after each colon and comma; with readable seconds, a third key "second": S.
{"hour": 9, "minute": 4}
